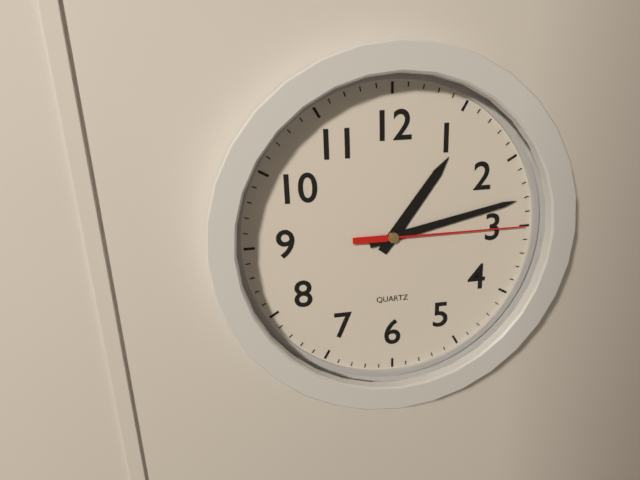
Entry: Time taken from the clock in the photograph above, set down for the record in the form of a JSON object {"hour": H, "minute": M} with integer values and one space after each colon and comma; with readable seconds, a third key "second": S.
{"hour": 1, "minute": 13, "second": 15}
